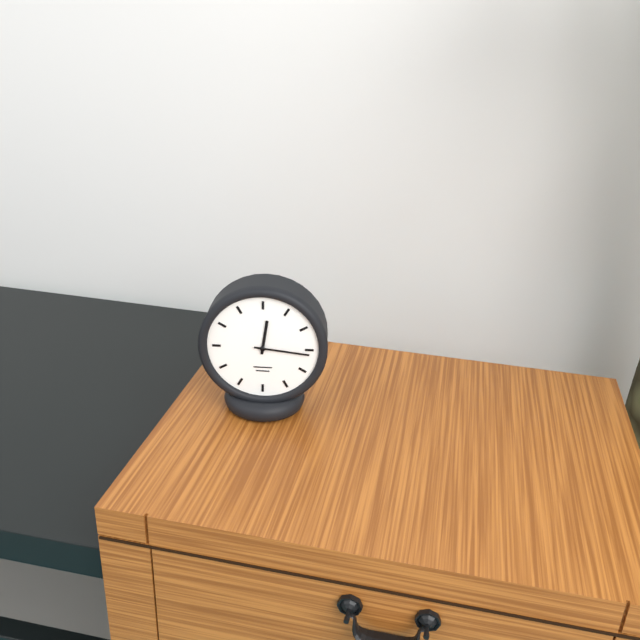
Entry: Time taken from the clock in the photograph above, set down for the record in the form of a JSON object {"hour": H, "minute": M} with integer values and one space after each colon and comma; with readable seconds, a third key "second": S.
{"hour": 12, "minute": 16}
